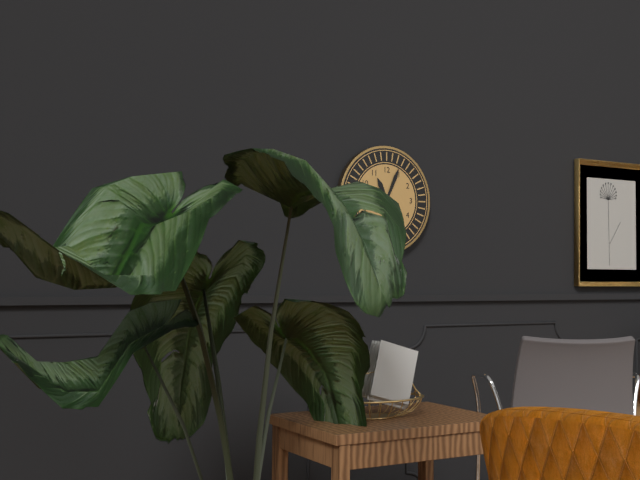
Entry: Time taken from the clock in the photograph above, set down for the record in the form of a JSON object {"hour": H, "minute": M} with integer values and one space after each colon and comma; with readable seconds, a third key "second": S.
{"hour": 11, "minute": 4}
